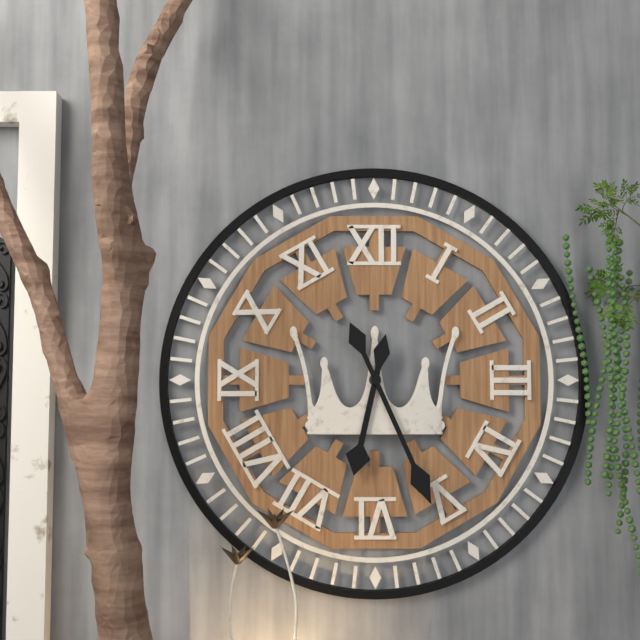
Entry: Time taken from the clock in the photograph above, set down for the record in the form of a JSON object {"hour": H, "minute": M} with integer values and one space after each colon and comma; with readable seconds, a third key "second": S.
{"hour": 6, "minute": 26}
